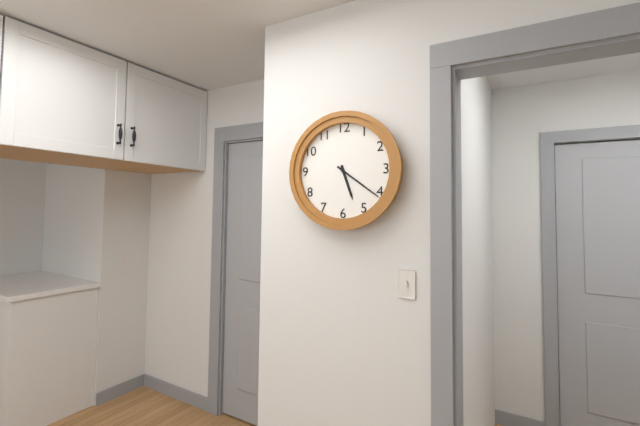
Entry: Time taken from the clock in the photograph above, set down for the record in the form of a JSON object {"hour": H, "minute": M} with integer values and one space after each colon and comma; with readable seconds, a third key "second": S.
{"hour": 5, "minute": 21}
